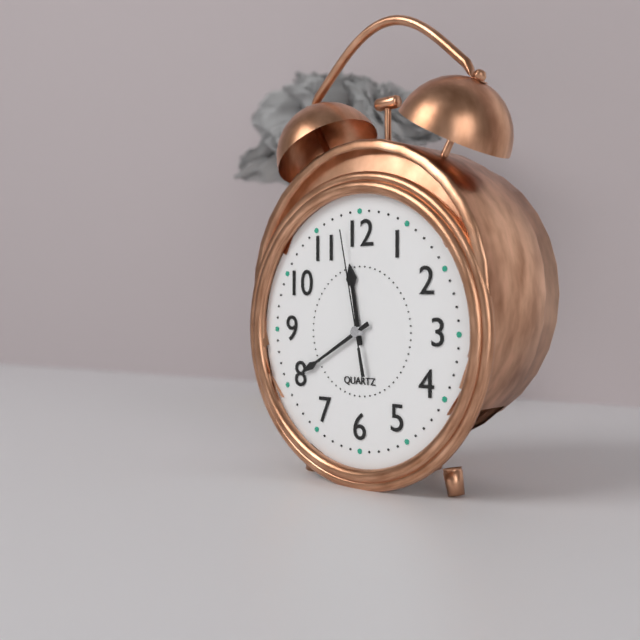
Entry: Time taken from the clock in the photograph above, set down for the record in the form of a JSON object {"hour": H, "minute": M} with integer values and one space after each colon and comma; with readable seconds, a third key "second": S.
{"hour": 11, "minute": 40, "second": 58}
